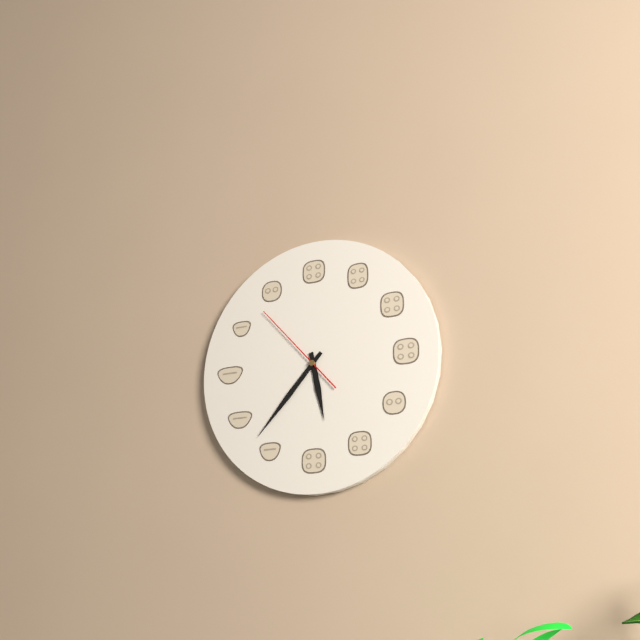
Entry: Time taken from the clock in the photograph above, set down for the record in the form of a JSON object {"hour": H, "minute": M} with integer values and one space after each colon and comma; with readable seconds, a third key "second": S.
{"hour": 5, "minute": 37, "second": 53}
